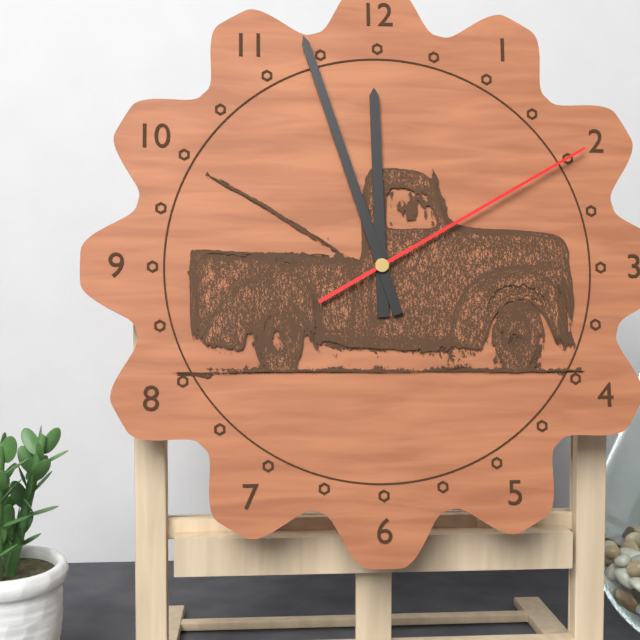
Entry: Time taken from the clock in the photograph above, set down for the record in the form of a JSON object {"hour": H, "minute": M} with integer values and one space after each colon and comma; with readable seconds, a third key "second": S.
{"hour": 11, "minute": 57, "second": 10}
